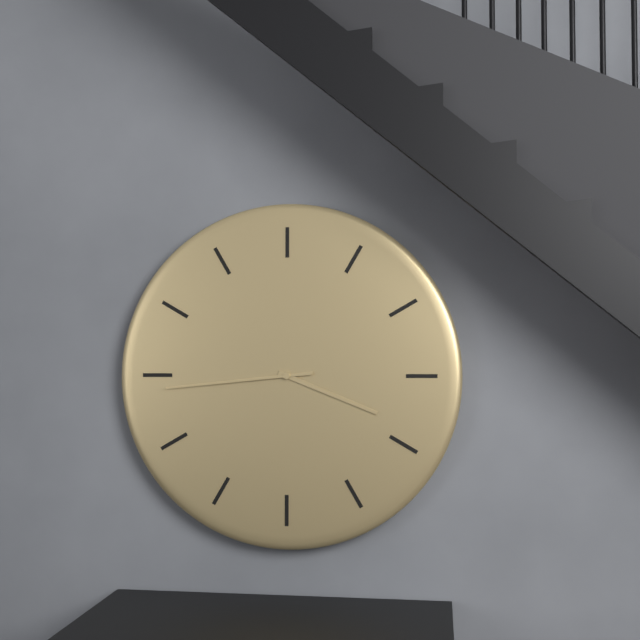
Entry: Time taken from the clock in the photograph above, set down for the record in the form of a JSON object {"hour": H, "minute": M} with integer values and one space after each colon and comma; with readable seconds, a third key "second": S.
{"hour": 3, "minute": 44}
